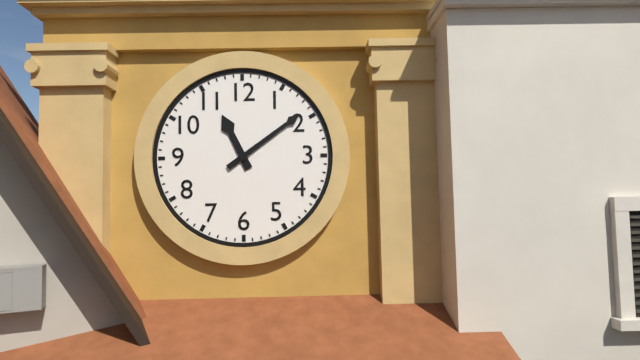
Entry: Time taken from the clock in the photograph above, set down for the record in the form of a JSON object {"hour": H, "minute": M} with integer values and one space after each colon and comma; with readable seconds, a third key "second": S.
{"hour": 11, "minute": 9}
